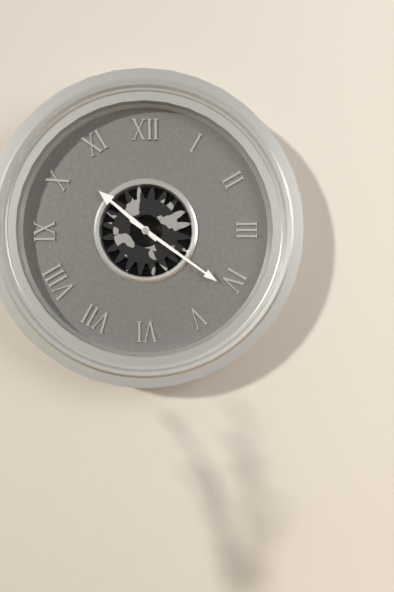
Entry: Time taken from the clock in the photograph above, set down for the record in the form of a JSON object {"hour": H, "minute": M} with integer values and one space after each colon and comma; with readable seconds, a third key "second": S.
{"hour": 10, "minute": 21}
